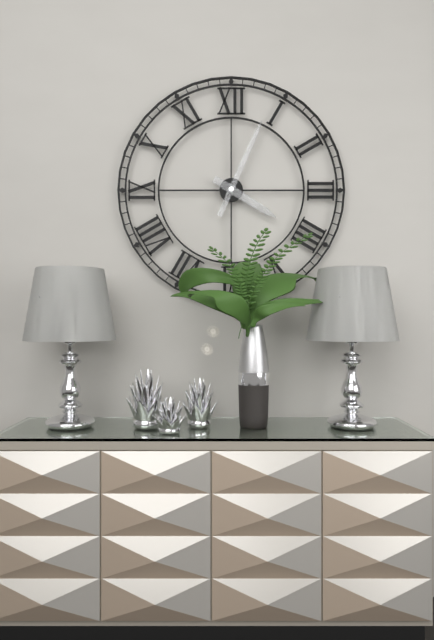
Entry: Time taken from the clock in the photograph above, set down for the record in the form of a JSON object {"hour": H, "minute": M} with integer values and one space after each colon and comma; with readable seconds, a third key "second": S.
{"hour": 4, "minute": 4}
